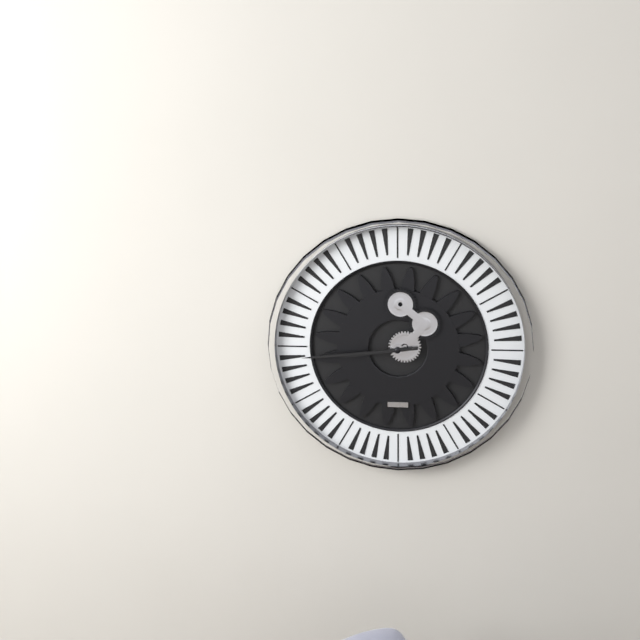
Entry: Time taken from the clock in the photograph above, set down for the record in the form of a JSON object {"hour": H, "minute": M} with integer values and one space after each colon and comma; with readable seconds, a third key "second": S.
{"hour": 8, "minute": 44}
